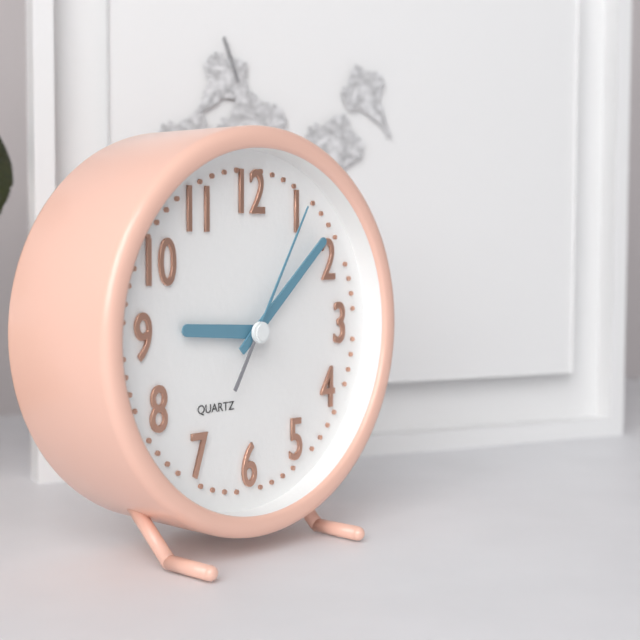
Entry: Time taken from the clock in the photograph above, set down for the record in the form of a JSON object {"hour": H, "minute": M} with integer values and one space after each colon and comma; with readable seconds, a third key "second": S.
{"hour": 9, "minute": 8, "second": 5}
